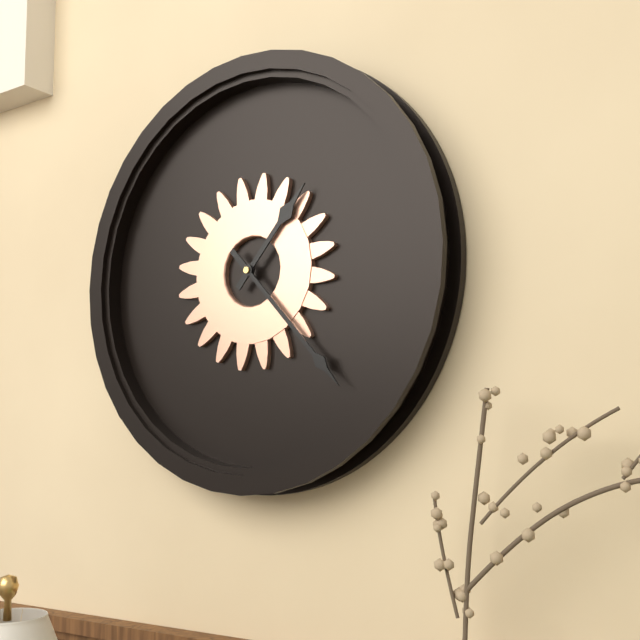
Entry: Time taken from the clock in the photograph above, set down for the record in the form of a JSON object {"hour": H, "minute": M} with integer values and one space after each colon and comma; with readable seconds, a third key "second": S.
{"hour": 1, "minute": 23}
